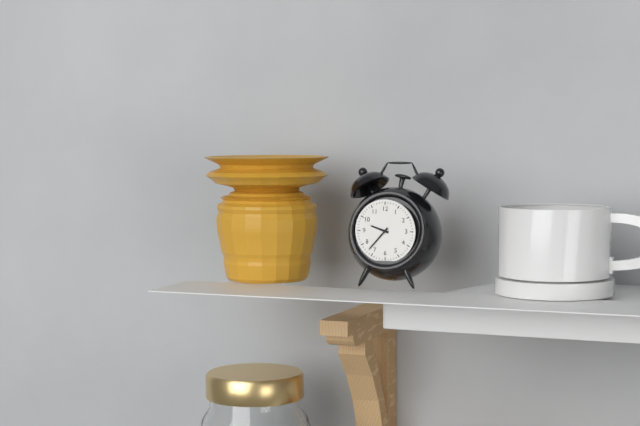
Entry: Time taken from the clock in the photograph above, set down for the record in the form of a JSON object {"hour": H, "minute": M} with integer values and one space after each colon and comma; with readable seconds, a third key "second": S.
{"hour": 9, "minute": 37}
